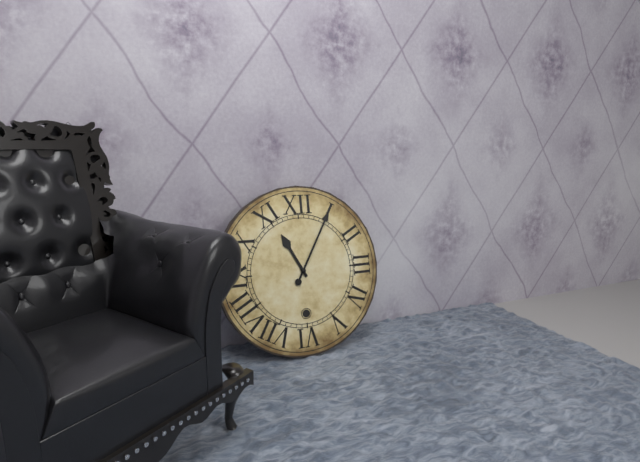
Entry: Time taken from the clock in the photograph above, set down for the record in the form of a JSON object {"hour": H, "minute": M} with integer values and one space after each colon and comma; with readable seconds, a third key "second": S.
{"hour": 11, "minute": 5}
